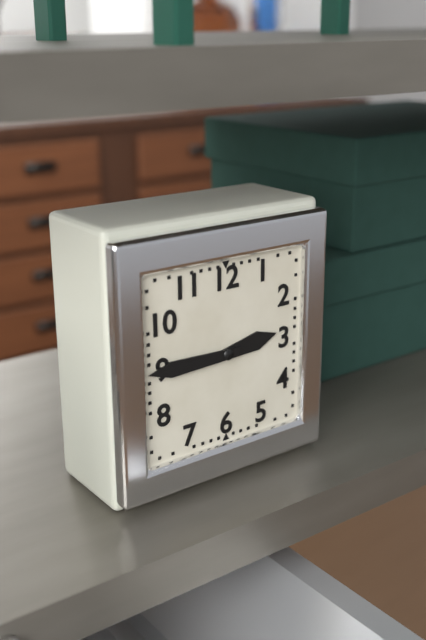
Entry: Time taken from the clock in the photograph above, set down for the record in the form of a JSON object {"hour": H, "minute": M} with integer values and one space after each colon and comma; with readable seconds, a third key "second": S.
{"hour": 2, "minute": 45}
